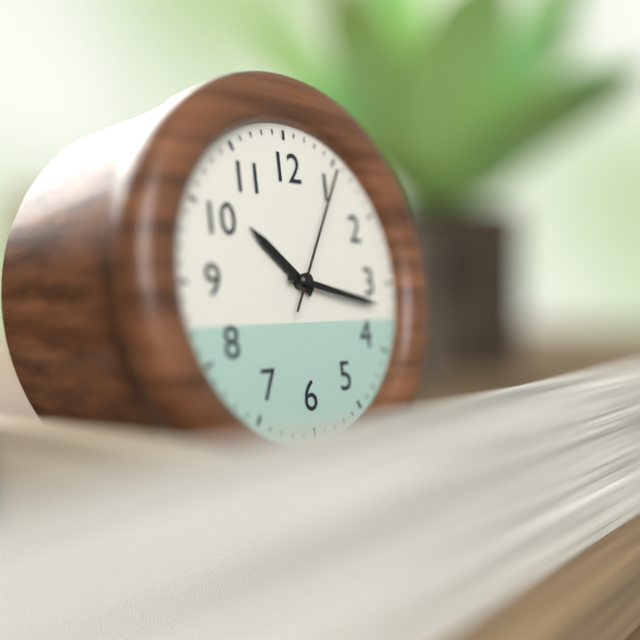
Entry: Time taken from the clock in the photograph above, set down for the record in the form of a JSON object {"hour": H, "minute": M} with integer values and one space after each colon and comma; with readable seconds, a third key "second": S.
{"hour": 10, "minute": 17, "second": 5}
